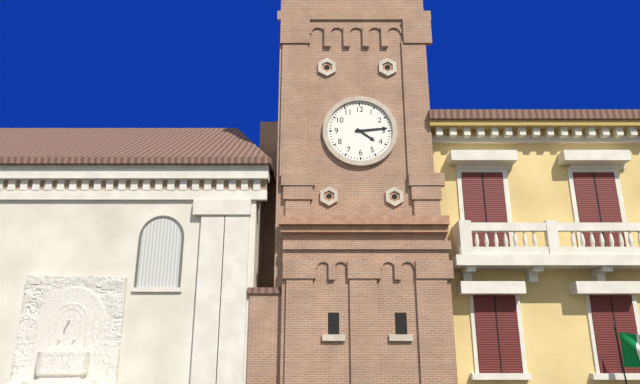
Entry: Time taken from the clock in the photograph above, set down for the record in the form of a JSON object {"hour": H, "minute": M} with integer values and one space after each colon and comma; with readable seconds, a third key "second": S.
{"hour": 4, "minute": 14}
